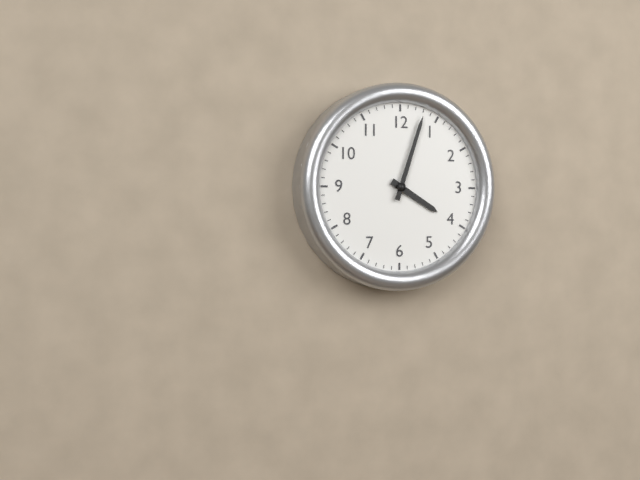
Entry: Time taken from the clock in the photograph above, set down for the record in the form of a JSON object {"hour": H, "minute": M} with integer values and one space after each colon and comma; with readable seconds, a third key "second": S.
{"hour": 4, "minute": 3}
